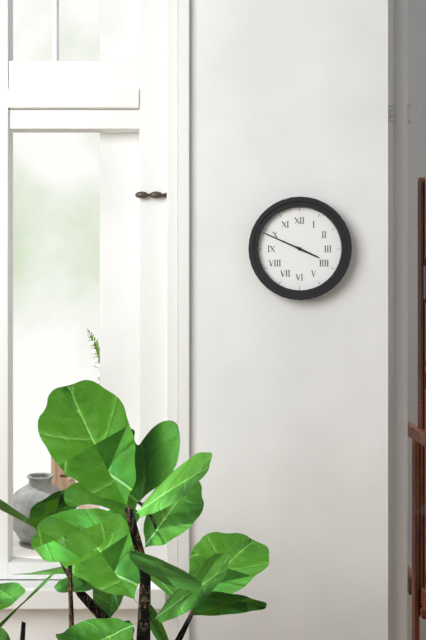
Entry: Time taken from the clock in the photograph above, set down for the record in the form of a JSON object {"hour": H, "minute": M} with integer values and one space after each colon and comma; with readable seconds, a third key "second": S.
{"hour": 3, "minute": 49}
